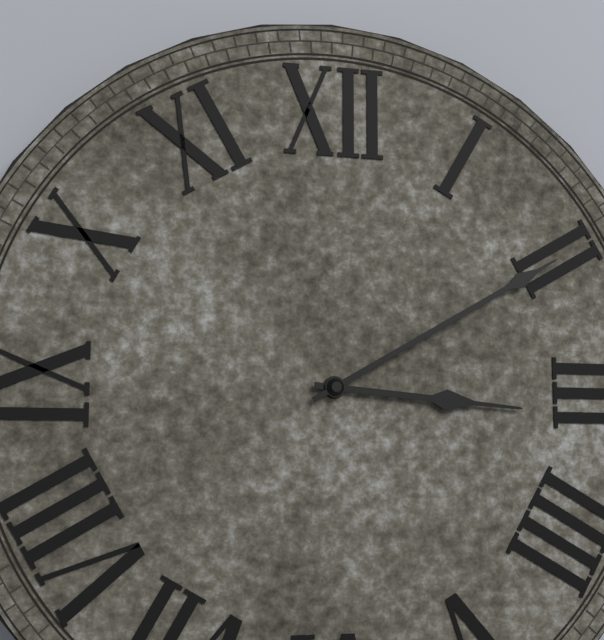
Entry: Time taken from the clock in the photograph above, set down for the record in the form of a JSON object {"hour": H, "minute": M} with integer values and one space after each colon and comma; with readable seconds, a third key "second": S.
{"hour": 3, "minute": 10}
